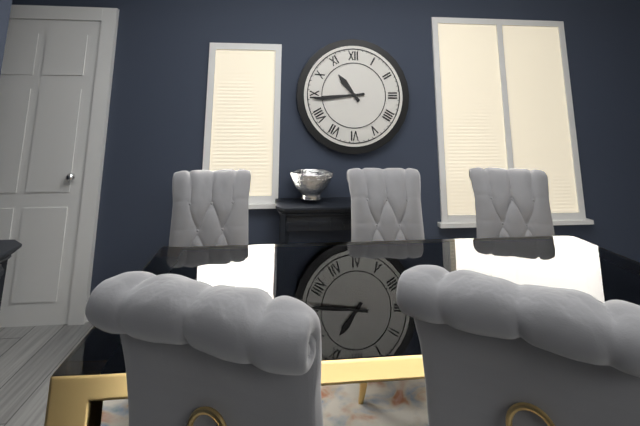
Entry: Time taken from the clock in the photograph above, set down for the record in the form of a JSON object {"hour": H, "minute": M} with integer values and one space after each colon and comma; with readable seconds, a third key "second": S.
{"hour": 10, "minute": 44}
